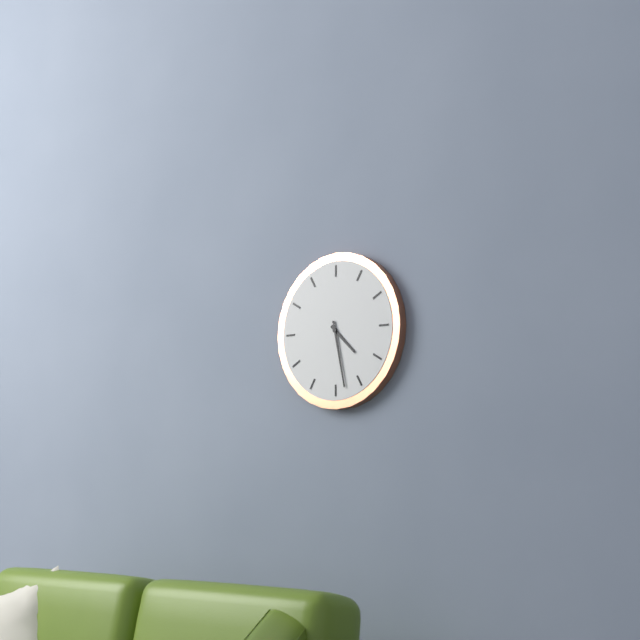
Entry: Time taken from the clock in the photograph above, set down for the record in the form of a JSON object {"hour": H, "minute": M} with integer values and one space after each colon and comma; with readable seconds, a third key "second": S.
{"hour": 4, "minute": 28}
